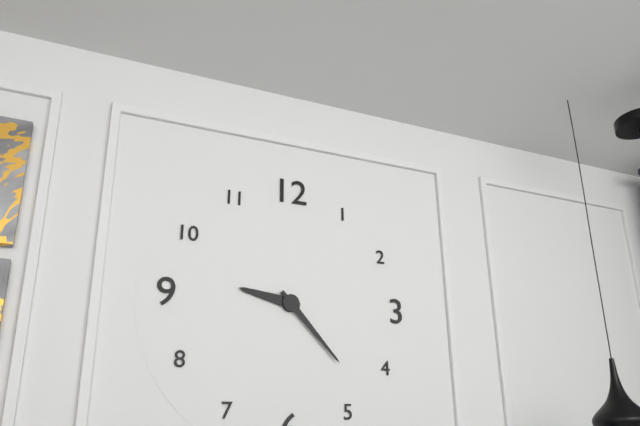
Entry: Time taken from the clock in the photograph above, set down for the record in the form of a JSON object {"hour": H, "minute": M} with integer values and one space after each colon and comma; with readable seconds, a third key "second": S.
{"hour": 9, "minute": 23}
